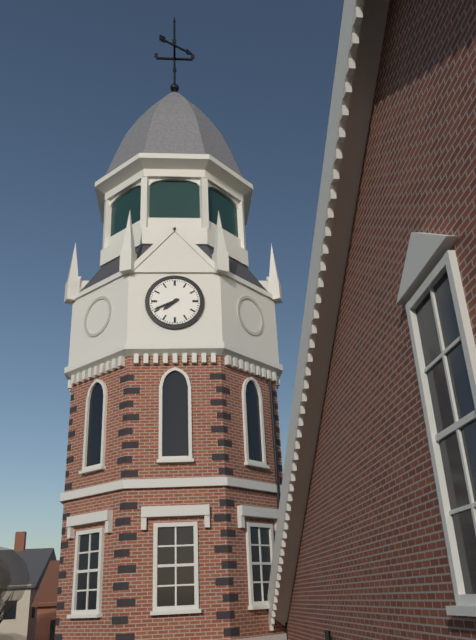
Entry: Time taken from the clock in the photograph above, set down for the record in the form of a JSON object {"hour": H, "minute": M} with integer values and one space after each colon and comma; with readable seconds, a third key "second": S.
{"hour": 7, "minute": 41}
